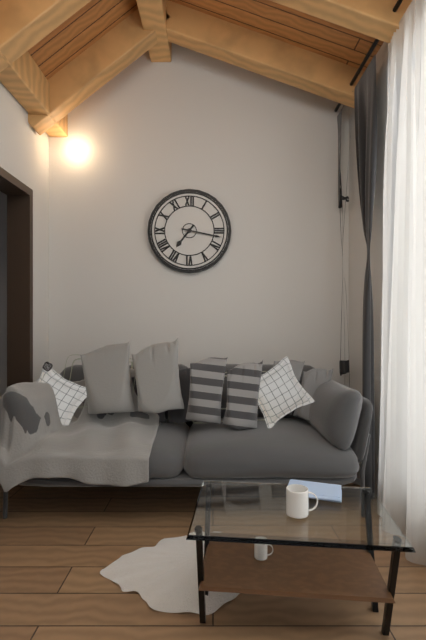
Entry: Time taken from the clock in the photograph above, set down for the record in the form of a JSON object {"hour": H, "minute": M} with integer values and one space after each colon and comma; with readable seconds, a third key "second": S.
{"hour": 7, "minute": 17}
